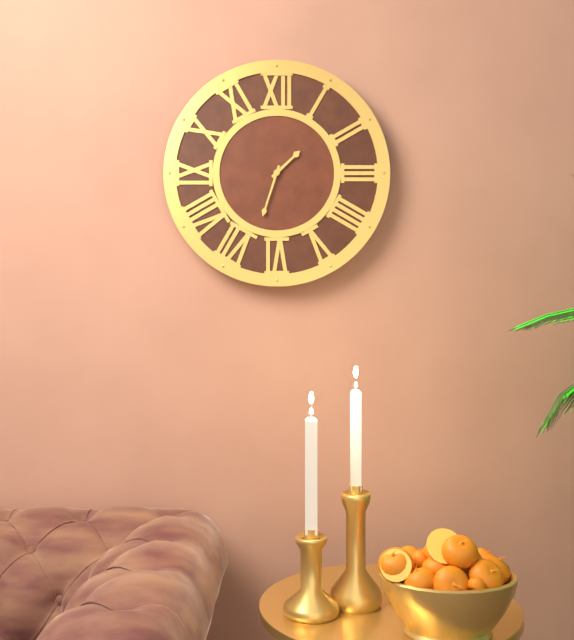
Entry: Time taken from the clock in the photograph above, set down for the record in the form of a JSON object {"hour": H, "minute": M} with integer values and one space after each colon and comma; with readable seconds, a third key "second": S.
{"hour": 1, "minute": 33}
